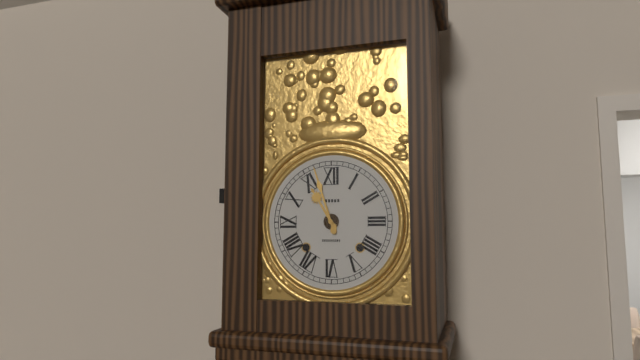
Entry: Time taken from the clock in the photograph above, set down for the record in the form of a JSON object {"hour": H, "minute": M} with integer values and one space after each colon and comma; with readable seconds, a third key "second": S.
{"hour": 10, "minute": 57}
